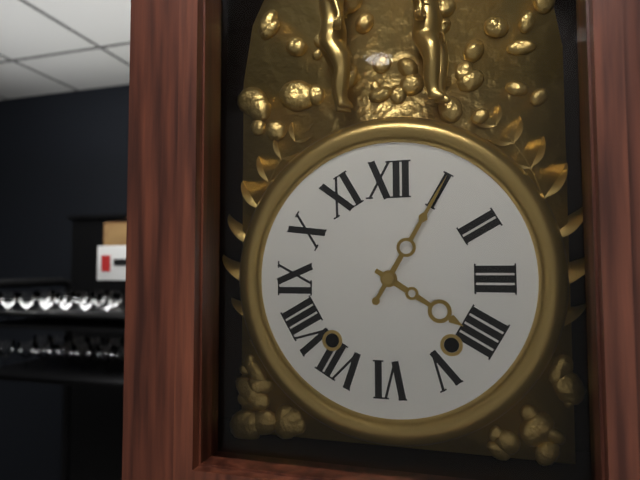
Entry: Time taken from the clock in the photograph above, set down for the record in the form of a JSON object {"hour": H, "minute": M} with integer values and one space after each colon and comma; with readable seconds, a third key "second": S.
{"hour": 4, "minute": 5}
